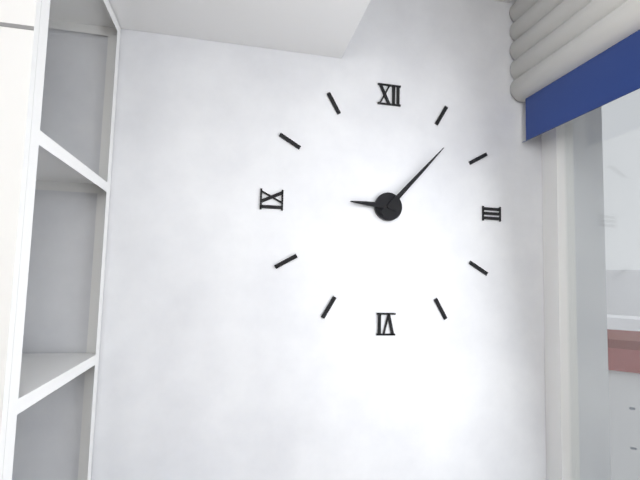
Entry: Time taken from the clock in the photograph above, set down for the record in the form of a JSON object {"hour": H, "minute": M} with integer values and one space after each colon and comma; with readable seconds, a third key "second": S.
{"hour": 9, "minute": 7}
